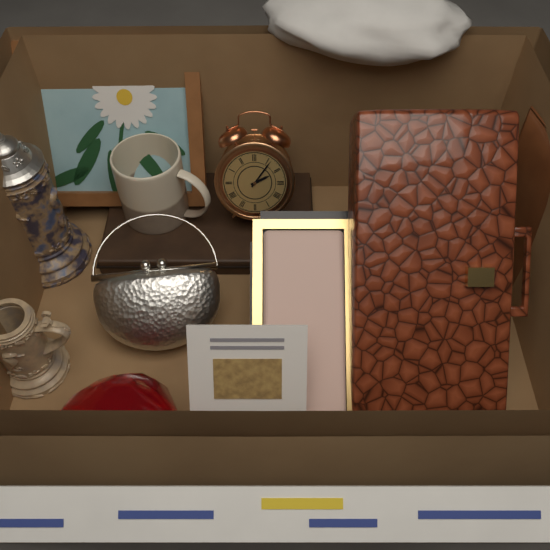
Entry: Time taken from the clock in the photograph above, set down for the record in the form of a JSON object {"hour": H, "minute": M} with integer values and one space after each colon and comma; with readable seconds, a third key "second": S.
{"hour": 2, "minute": 6}
